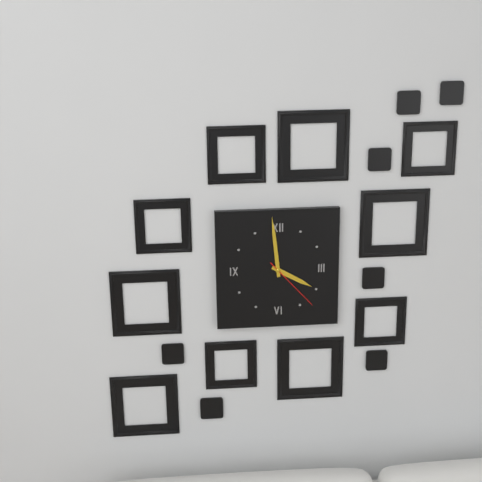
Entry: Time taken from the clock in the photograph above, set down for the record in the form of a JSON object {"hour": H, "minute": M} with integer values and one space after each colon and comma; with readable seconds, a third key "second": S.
{"hour": 3, "minute": 59, "second": 23}
